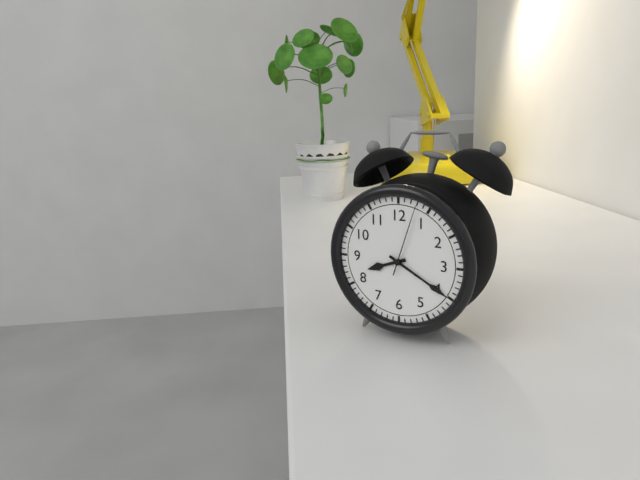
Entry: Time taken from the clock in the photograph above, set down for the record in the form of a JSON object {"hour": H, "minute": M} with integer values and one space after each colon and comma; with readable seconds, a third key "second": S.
{"hour": 8, "minute": 20, "second": 3}
